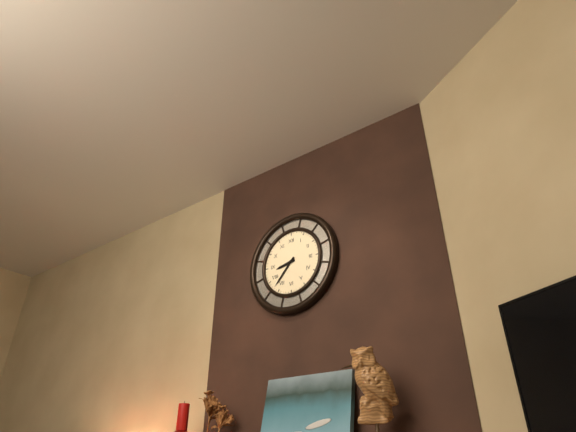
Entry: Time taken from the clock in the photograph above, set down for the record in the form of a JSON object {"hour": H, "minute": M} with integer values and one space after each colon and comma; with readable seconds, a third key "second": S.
{"hour": 8, "minute": 37}
